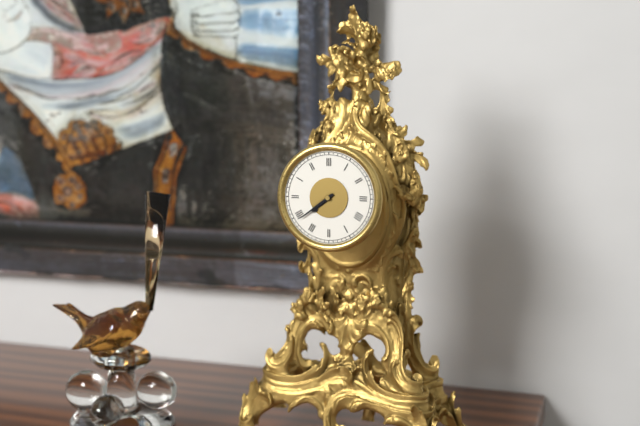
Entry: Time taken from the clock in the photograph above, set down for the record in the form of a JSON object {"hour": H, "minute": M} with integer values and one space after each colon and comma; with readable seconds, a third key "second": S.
{"hour": 7, "minute": 39}
